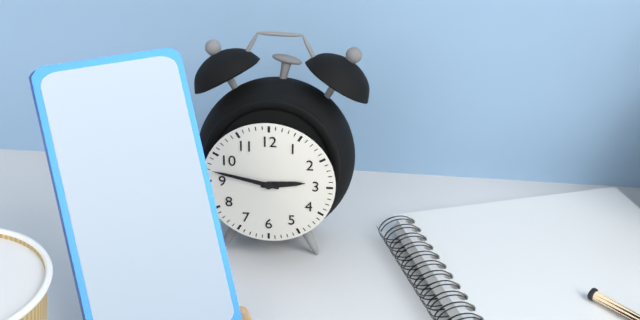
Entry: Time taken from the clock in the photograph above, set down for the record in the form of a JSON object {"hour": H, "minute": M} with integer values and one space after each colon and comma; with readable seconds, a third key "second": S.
{"hour": 2, "minute": 47}
